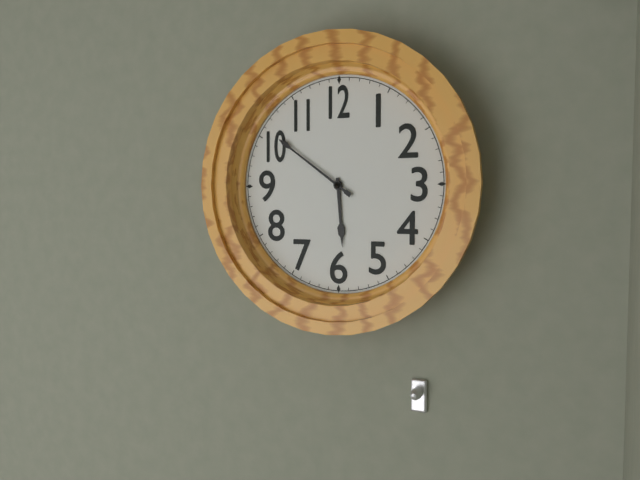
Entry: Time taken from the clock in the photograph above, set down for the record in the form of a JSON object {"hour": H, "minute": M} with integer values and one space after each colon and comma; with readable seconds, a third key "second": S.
{"hour": 5, "minute": 51}
